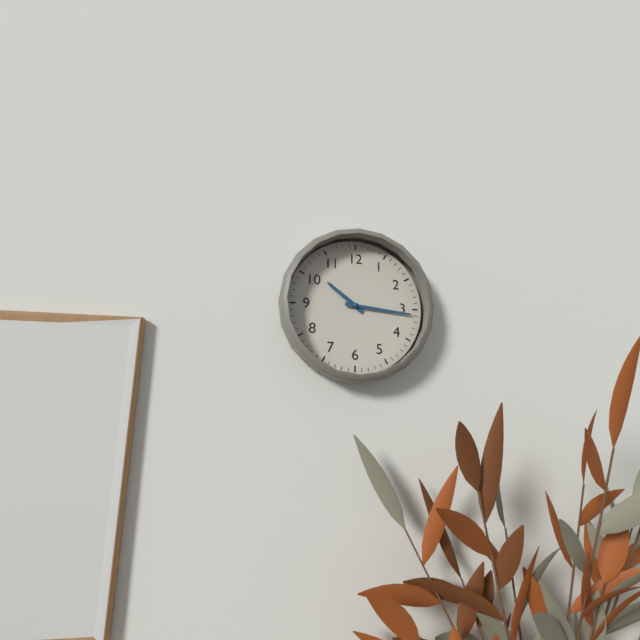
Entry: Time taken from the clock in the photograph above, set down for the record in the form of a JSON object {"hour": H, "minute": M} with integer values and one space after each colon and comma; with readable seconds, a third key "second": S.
{"hour": 10, "minute": 16}
